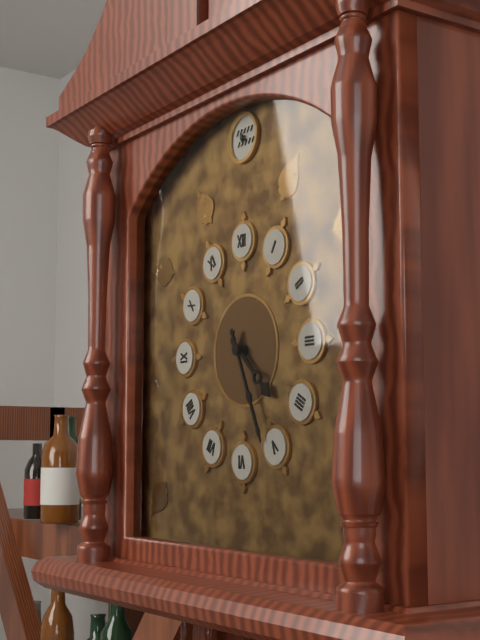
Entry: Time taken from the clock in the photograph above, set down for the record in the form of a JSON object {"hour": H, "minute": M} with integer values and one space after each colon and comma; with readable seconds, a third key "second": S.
{"hour": 4, "minute": 26}
